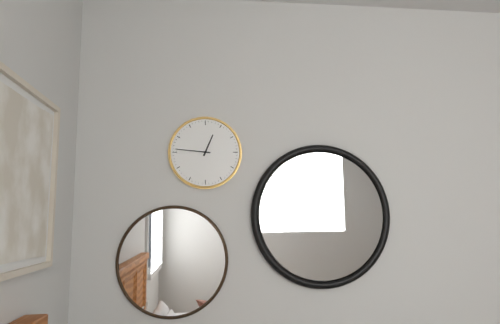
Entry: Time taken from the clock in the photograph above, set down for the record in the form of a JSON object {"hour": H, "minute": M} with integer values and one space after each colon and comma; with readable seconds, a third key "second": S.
{"hour": 12, "minute": 46}
